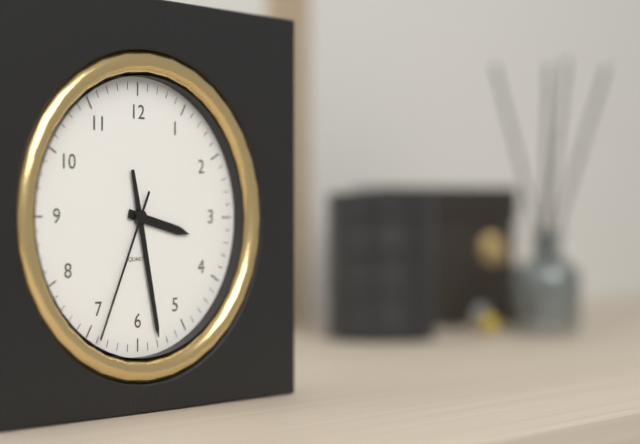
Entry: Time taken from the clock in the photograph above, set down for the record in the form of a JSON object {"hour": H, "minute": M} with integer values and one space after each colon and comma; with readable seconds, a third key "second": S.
{"hour": 3, "minute": 28, "second": 34}
